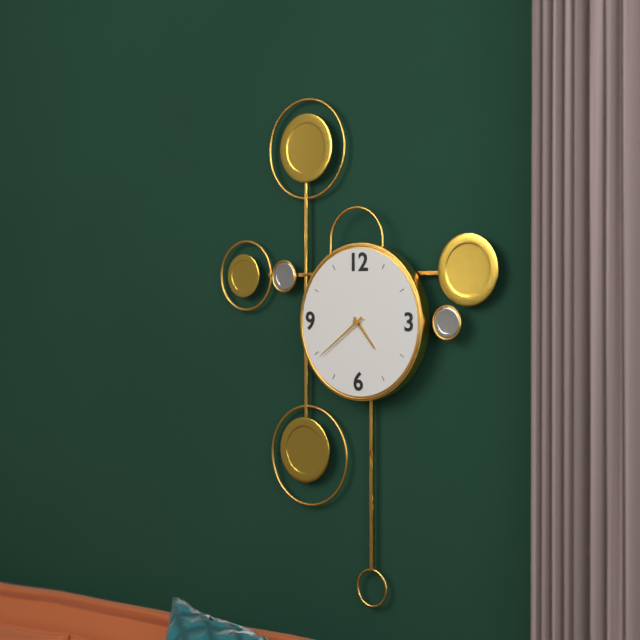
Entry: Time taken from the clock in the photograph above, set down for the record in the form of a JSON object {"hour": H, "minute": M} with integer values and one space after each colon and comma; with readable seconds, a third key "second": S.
{"hour": 4, "minute": 39}
